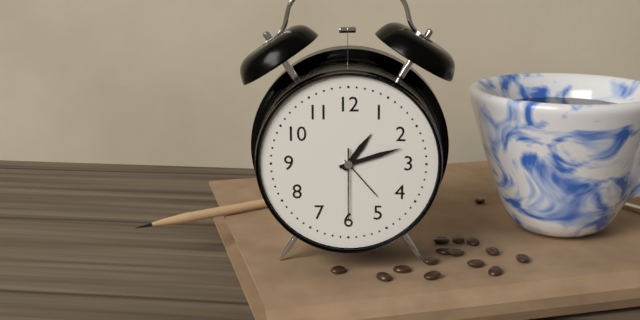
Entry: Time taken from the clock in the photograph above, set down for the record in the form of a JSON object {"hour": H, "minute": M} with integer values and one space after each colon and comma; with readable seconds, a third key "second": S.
{"hour": 1, "minute": 12, "second": 30}
